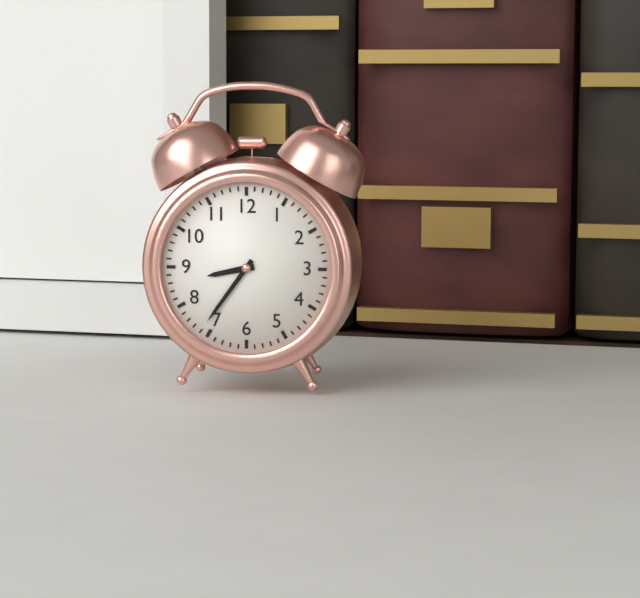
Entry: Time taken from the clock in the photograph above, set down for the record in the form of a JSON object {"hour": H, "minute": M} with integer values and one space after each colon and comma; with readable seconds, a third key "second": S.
{"hour": 8, "minute": 36}
